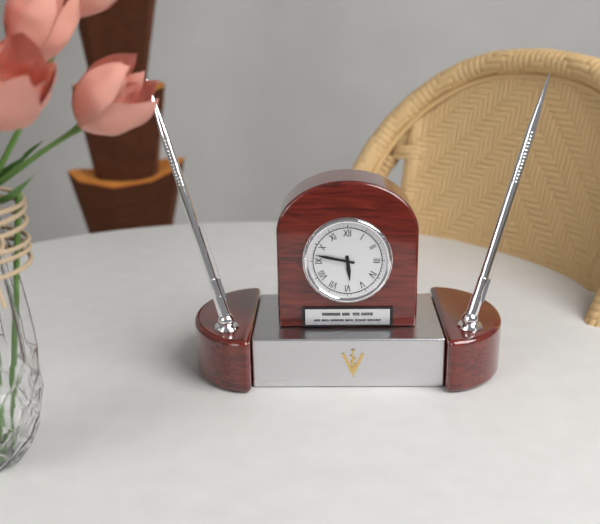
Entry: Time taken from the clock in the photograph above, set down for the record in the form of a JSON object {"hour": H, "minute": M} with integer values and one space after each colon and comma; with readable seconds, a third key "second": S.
{"hour": 5, "minute": 47}
